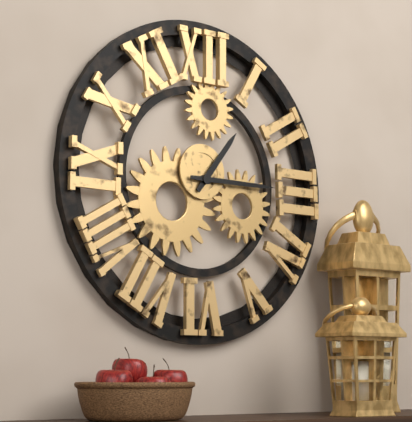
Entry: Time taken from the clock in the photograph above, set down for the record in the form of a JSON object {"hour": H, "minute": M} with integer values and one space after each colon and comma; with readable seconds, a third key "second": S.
{"hour": 1, "minute": 15}
